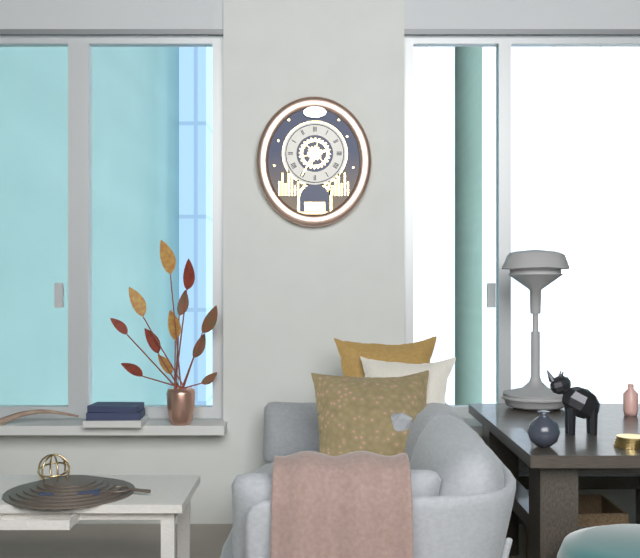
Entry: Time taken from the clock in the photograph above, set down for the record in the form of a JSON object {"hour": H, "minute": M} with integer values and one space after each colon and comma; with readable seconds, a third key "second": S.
{"hour": 2, "minute": 35}
